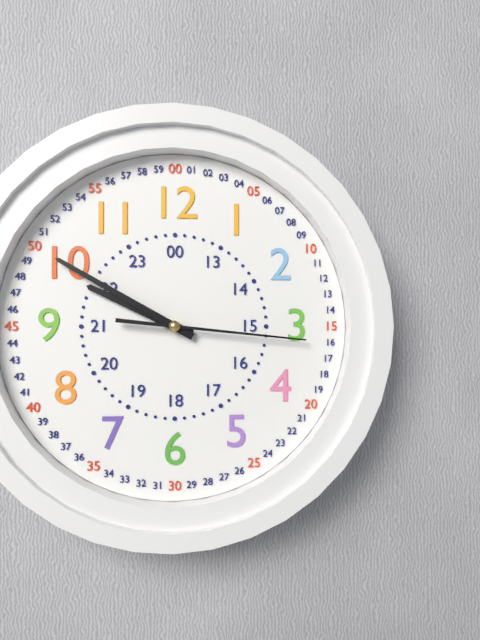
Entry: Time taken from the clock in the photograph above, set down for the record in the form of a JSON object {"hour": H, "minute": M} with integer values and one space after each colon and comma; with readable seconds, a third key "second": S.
{"hour": 9, "minute": 50, "second": 16}
